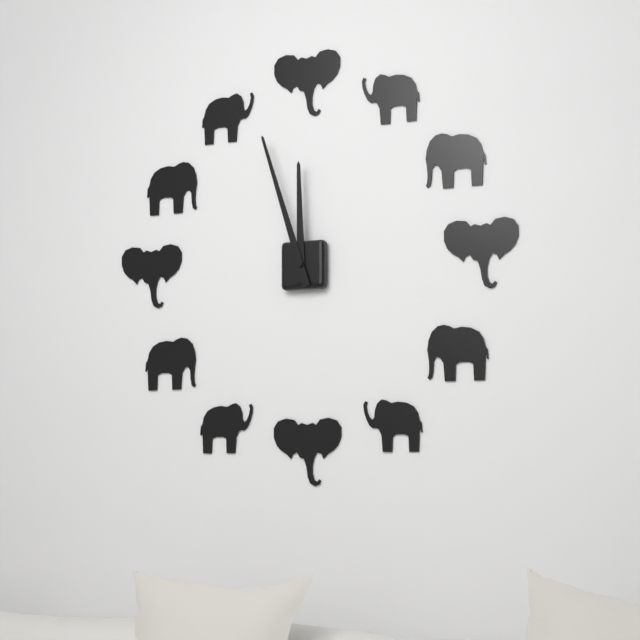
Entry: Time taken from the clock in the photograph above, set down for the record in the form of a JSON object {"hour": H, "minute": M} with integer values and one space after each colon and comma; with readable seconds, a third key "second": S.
{"hour": 11, "minute": 57}
